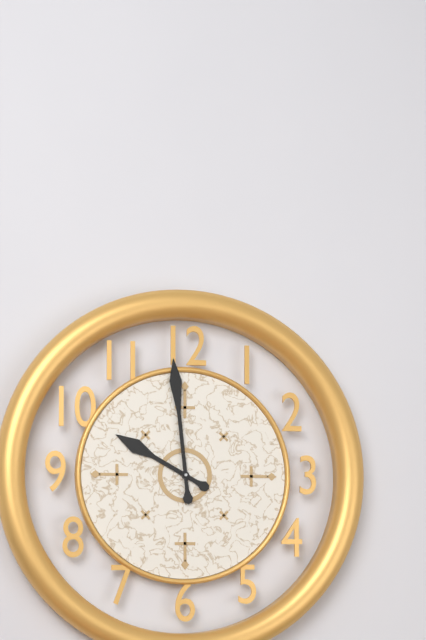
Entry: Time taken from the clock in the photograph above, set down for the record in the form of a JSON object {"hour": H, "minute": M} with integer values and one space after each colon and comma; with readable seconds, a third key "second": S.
{"hour": 9, "minute": 59}
